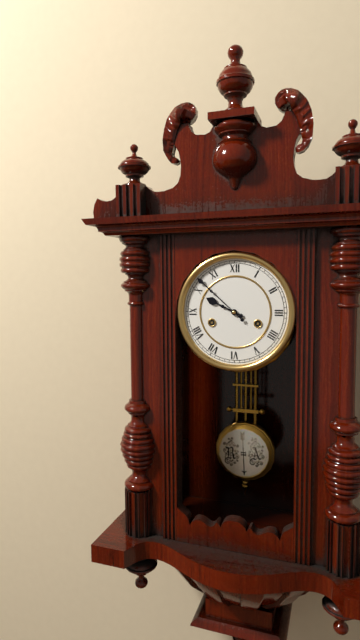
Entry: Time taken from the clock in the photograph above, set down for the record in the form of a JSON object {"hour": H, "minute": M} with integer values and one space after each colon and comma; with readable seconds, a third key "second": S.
{"hour": 9, "minute": 52}
